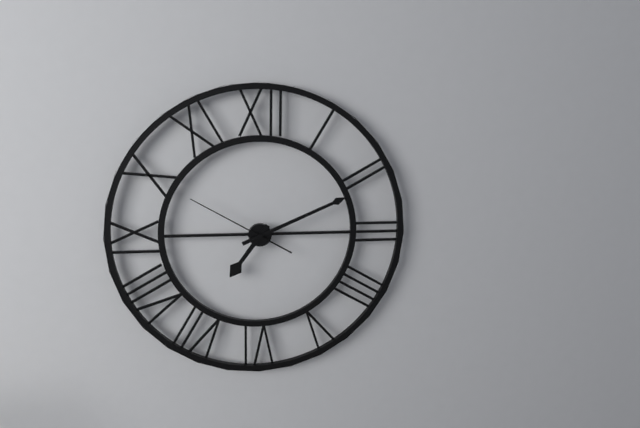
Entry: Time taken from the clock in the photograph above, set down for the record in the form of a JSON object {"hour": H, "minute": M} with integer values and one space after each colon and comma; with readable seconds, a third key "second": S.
{"hour": 7, "minute": 11, "second": 50}
